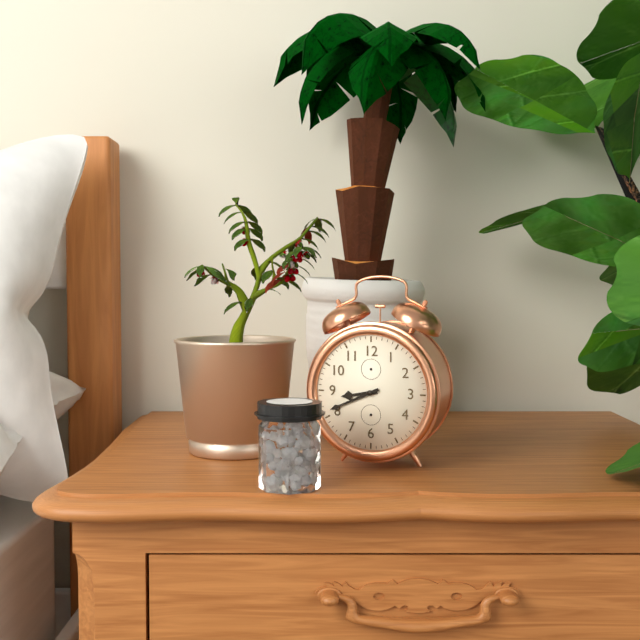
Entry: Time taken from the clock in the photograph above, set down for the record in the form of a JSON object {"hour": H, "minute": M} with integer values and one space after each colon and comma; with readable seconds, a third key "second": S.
{"hour": 8, "minute": 41}
